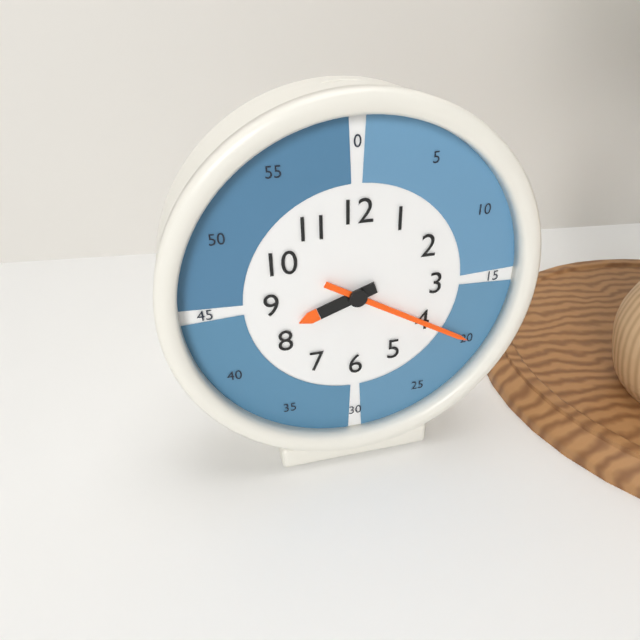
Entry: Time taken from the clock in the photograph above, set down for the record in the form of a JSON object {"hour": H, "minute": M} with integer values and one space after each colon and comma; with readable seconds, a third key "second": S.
{"hour": 8, "minute": 20}
